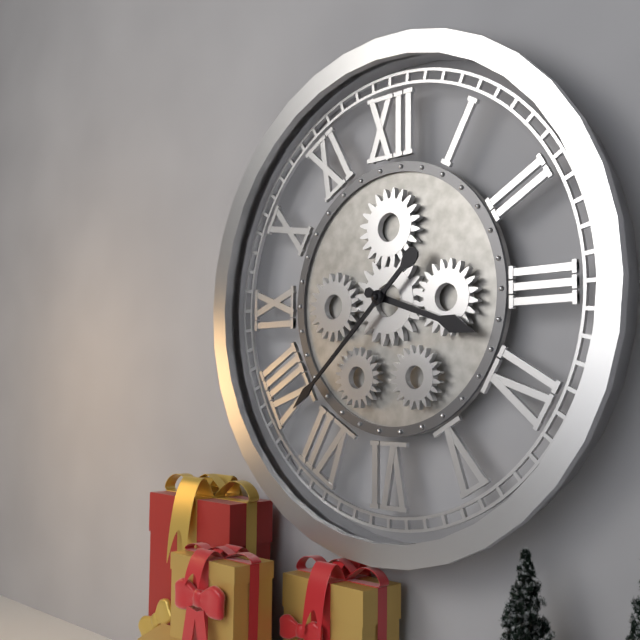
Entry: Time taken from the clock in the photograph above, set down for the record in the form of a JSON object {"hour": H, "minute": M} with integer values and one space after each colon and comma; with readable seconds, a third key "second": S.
{"hour": 3, "minute": 38}
